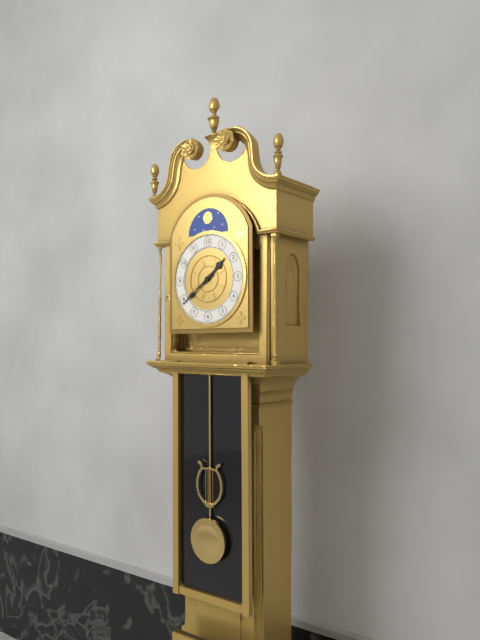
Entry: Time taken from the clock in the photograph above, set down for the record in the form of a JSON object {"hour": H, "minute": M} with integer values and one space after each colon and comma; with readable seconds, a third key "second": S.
{"hour": 1, "minute": 39}
